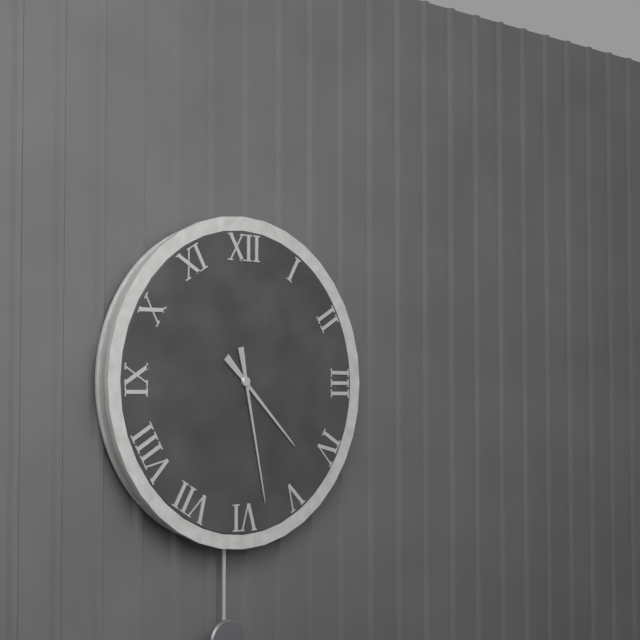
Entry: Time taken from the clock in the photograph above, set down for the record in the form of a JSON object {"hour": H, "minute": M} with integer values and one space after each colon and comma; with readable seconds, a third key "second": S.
{"hour": 4, "minute": 28}
